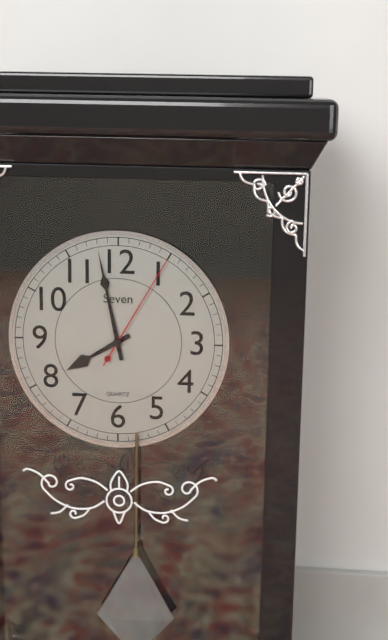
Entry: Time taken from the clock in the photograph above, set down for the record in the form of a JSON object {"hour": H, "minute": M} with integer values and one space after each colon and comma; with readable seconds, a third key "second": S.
{"hour": 7, "minute": 58, "second": 5}
